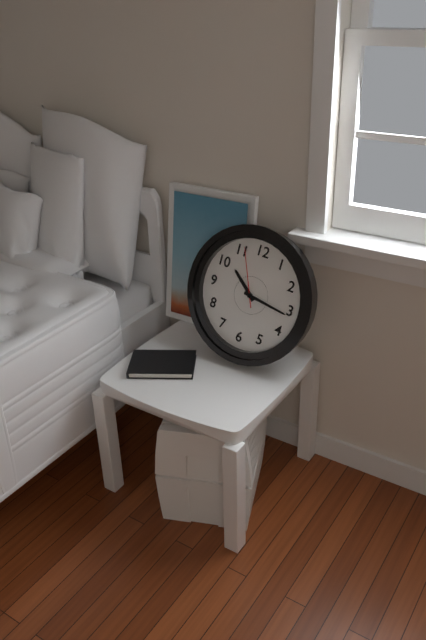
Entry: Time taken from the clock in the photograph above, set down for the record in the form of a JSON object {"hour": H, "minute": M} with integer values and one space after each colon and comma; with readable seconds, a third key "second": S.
{"hour": 10, "minute": 16, "second": 56}
